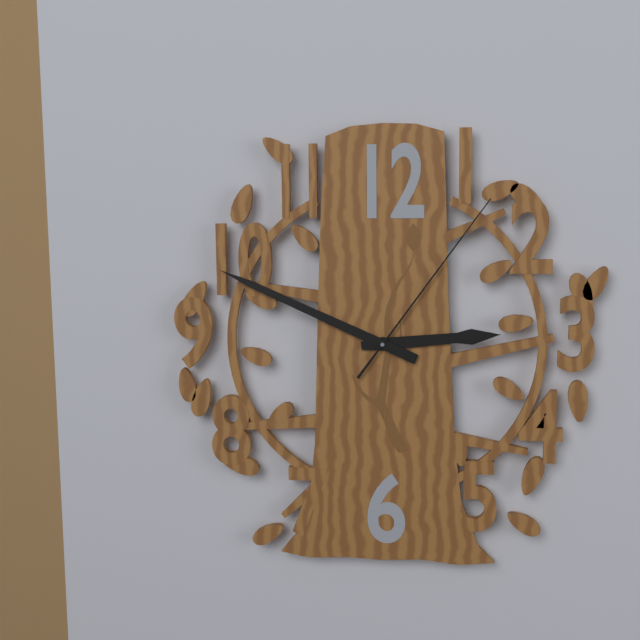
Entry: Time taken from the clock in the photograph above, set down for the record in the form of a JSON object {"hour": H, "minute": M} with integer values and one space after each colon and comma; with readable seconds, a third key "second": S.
{"hour": 2, "minute": 49, "second": 6}
